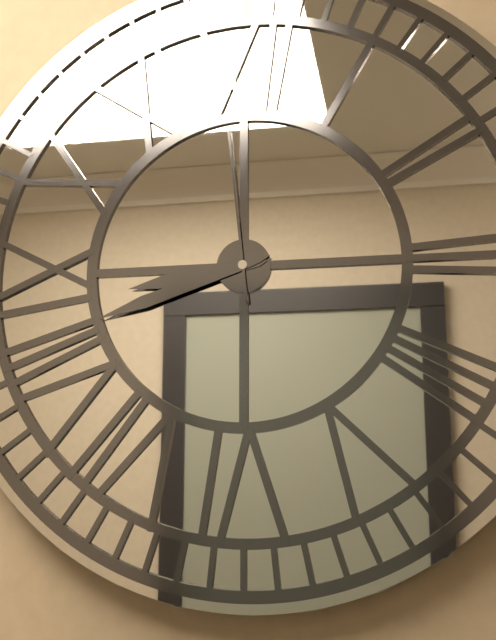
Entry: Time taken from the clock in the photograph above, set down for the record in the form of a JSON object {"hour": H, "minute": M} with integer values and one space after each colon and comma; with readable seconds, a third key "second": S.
{"hour": 8, "minute": 42, "second": 59}
